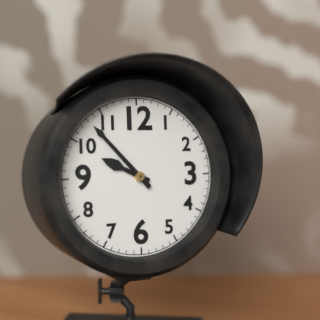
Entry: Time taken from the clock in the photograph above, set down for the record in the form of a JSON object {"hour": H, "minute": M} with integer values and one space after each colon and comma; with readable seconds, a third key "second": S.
{"hour": 9, "minute": 53}
